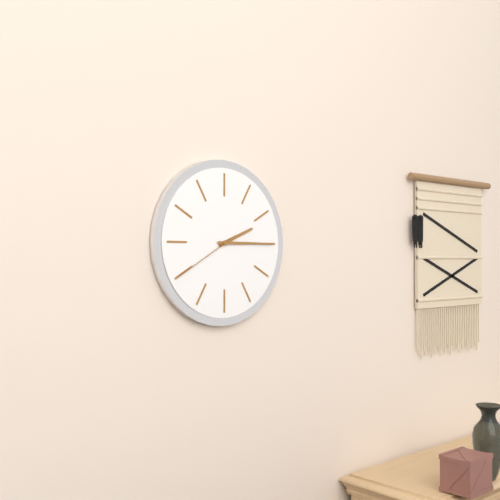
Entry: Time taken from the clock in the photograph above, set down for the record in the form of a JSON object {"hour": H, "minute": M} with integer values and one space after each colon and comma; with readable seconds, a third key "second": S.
{"hour": 2, "minute": 15, "second": 40}
